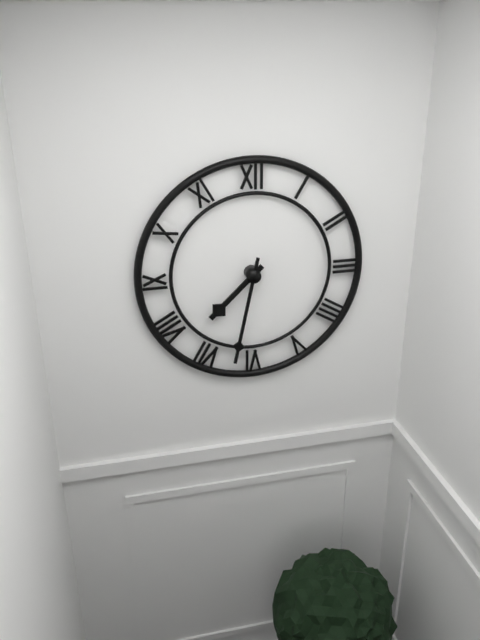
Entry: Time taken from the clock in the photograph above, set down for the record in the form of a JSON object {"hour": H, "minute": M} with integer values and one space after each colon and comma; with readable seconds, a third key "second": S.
{"hour": 7, "minute": 32}
